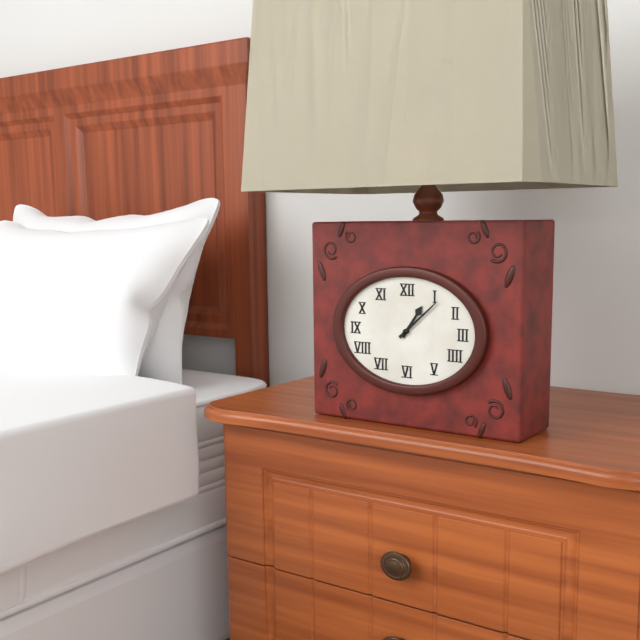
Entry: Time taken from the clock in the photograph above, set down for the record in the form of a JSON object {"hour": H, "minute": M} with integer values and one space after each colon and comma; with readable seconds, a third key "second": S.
{"hour": 1, "minute": 8}
